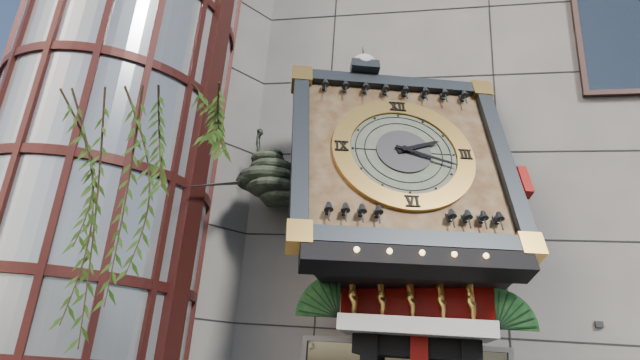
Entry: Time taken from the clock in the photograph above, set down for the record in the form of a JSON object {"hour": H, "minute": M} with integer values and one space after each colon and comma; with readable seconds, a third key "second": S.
{"hour": 2, "minute": 18}
